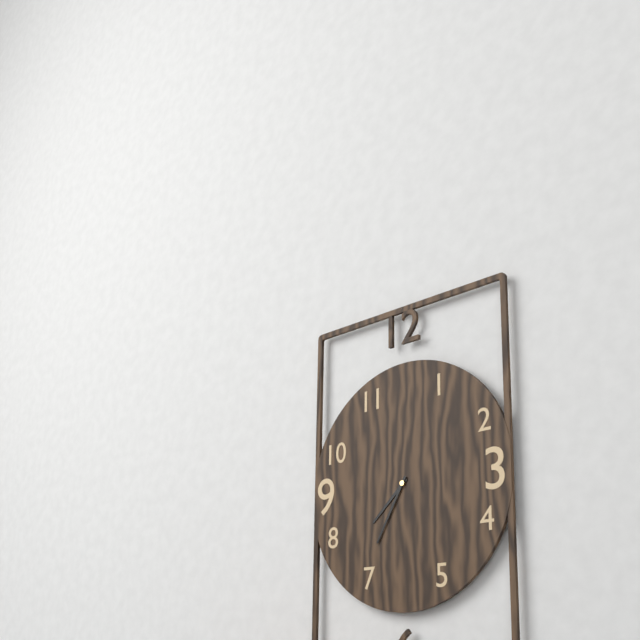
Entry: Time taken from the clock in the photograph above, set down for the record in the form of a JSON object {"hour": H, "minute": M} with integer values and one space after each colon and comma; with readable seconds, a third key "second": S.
{"hour": 7, "minute": 35}
